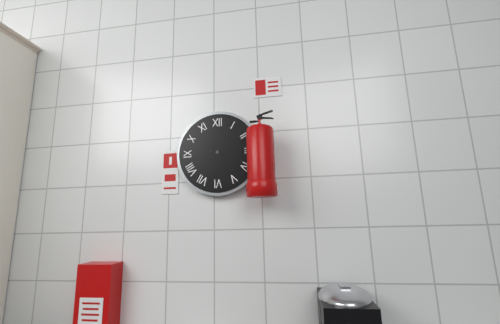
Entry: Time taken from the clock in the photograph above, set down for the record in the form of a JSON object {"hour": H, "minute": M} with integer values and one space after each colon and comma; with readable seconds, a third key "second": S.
{"hour": 9, "minute": 51}
